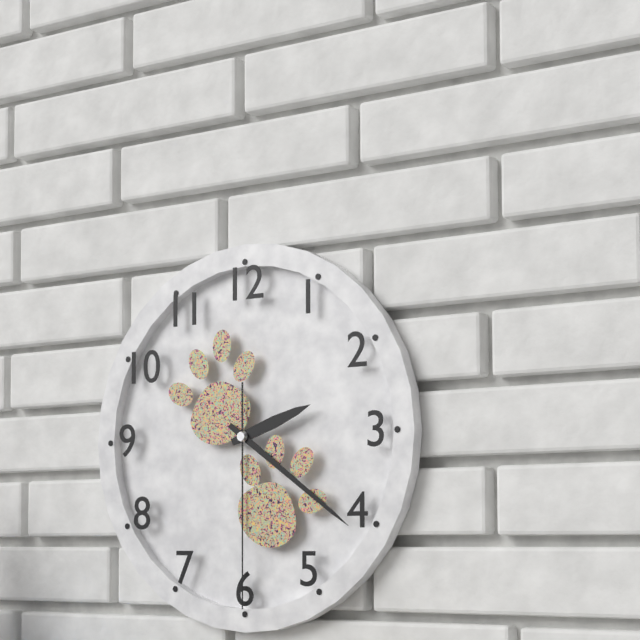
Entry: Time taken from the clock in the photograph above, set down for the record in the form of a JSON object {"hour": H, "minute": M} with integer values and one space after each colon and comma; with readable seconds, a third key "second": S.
{"hour": 2, "minute": 21, "second": 30}
